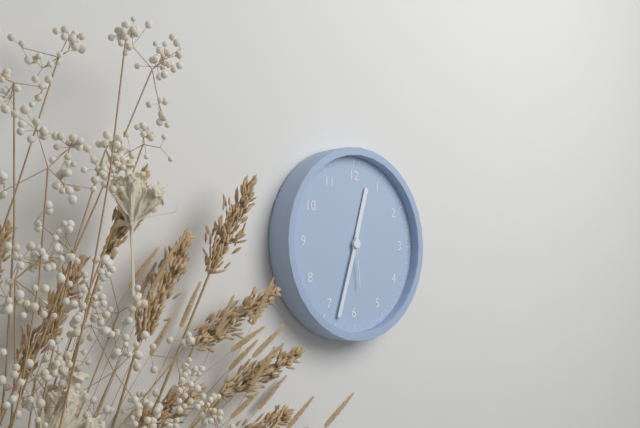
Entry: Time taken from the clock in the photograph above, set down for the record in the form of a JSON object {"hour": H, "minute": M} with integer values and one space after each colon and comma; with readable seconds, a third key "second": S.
{"hour": 12, "minute": 33, "second": 29}
